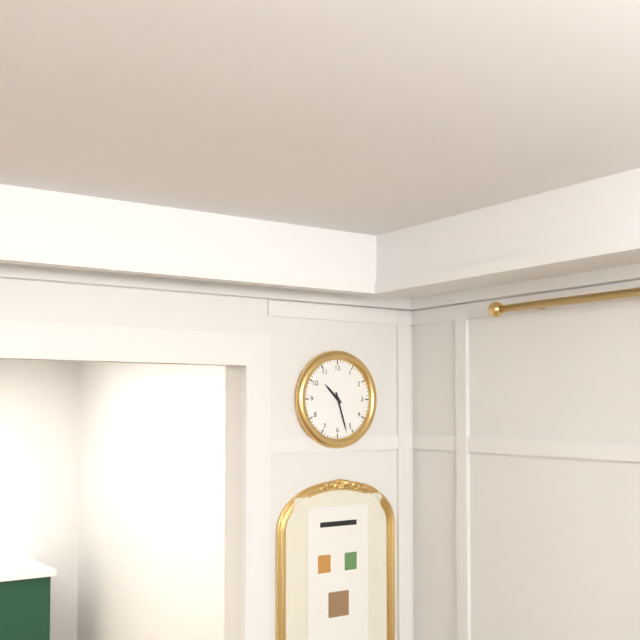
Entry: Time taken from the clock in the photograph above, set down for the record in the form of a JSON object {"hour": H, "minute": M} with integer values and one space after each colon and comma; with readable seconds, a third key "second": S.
{"hour": 10, "minute": 27}
